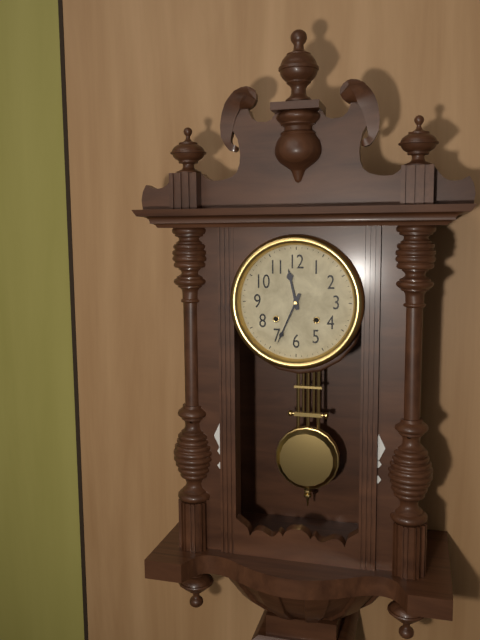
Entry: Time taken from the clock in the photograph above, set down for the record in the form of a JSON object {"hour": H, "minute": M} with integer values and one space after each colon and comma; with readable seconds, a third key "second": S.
{"hour": 11, "minute": 34}
